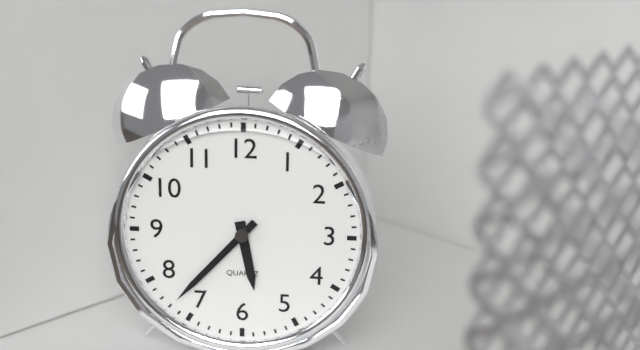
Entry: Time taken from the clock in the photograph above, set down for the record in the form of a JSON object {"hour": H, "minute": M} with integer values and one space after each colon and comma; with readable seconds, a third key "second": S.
{"hour": 5, "minute": 37}
